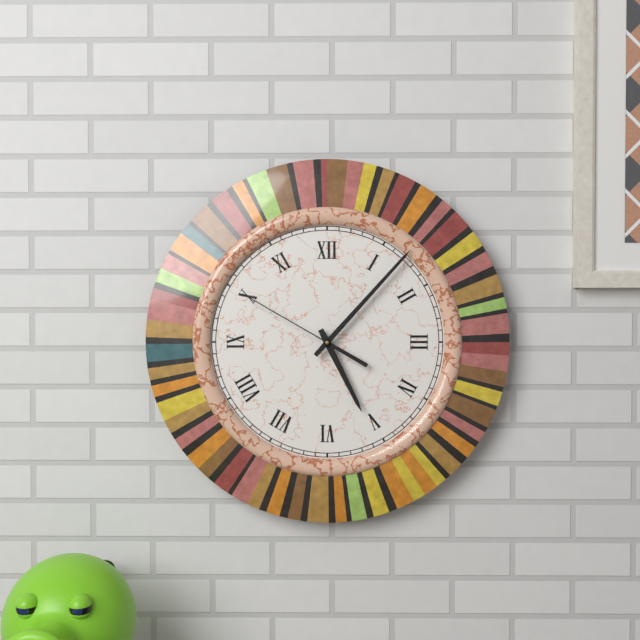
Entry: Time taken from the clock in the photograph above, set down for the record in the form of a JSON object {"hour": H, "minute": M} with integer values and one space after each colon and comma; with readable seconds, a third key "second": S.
{"hour": 5, "minute": 7, "second": 50}
